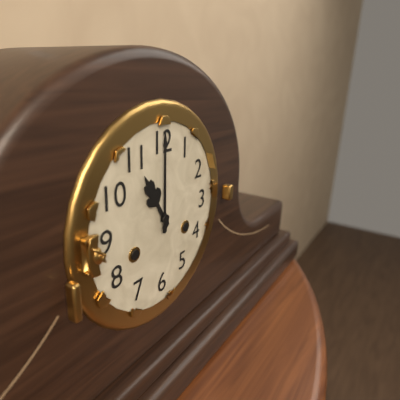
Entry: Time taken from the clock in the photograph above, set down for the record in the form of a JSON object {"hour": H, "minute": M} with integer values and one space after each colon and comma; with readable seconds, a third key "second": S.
{"hour": 11, "minute": 0}
